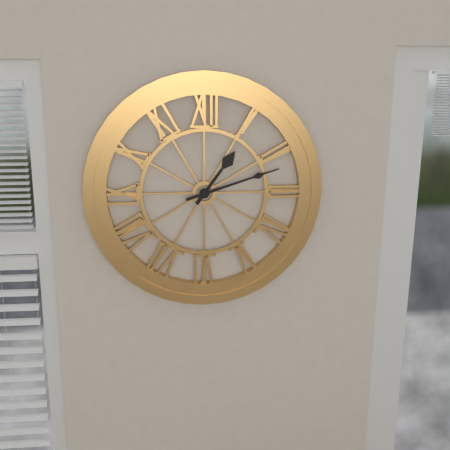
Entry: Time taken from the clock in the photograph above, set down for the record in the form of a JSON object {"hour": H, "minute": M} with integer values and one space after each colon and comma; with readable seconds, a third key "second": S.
{"hour": 1, "minute": 12}
